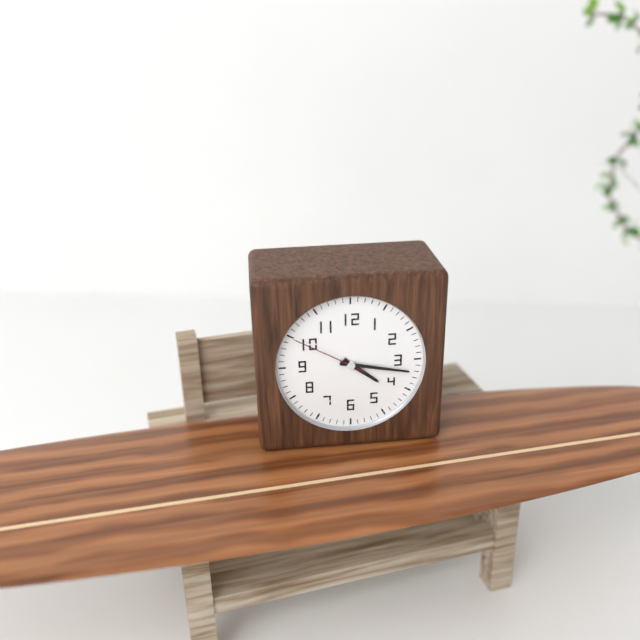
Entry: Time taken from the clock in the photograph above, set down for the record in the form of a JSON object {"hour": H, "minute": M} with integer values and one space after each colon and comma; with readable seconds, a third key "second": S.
{"hour": 4, "minute": 17, "second": 50}
